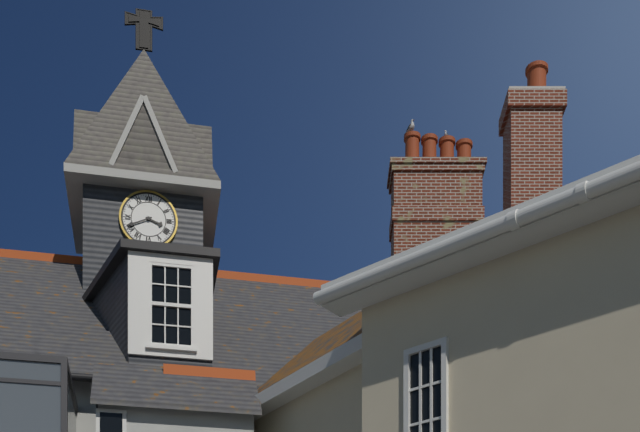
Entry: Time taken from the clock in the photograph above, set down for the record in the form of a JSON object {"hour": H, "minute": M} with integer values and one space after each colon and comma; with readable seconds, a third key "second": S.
{"hour": 3, "minute": 41}
